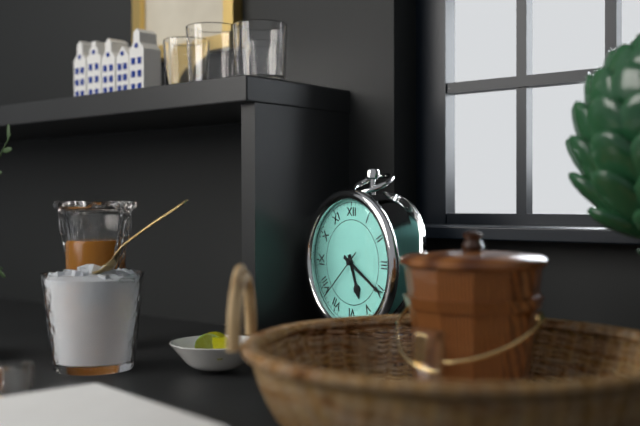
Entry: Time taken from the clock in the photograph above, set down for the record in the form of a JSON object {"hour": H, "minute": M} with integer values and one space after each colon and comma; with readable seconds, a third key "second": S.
{"hour": 5, "minute": 20, "second": 38}
